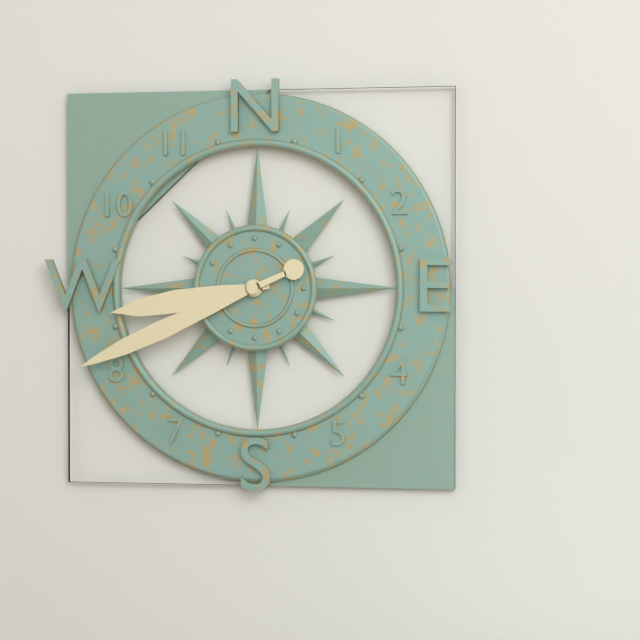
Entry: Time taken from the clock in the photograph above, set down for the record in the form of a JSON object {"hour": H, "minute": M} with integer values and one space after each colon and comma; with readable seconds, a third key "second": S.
{"hour": 8, "minute": 41}
